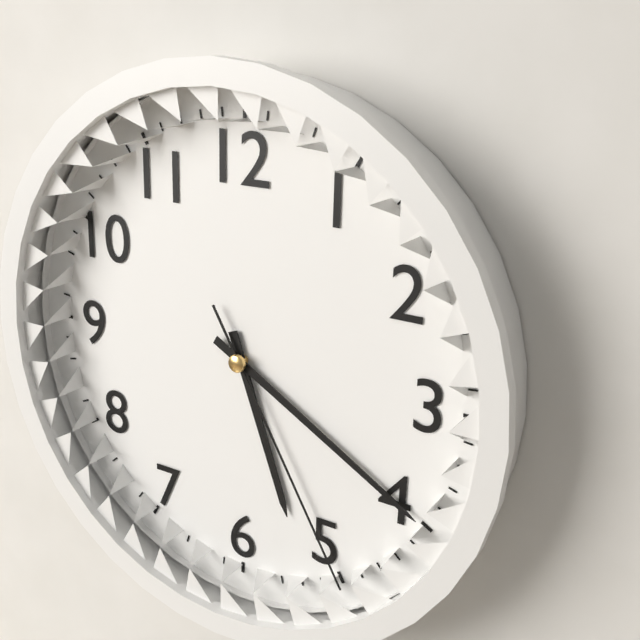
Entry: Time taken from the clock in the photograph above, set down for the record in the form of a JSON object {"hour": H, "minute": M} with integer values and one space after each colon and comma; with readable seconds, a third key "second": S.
{"hour": 5, "minute": 20, "second": 25}
